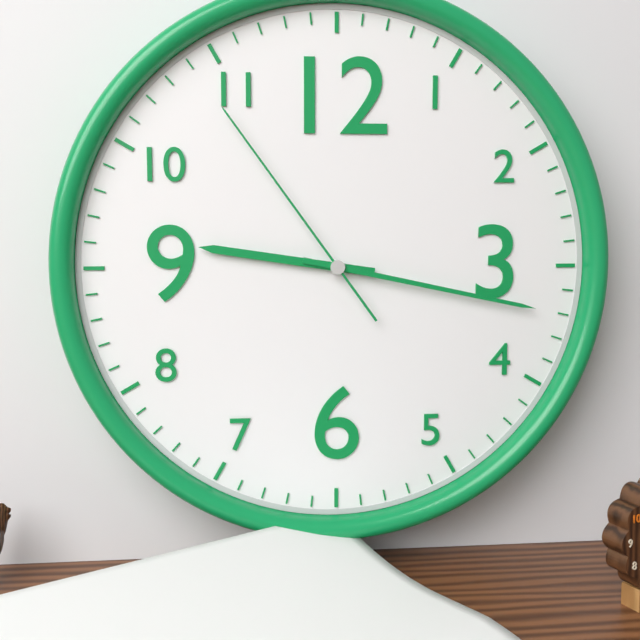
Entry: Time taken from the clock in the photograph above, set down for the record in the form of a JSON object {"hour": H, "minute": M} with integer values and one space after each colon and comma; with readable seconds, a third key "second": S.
{"hour": 9, "minute": 17, "second": 54}
